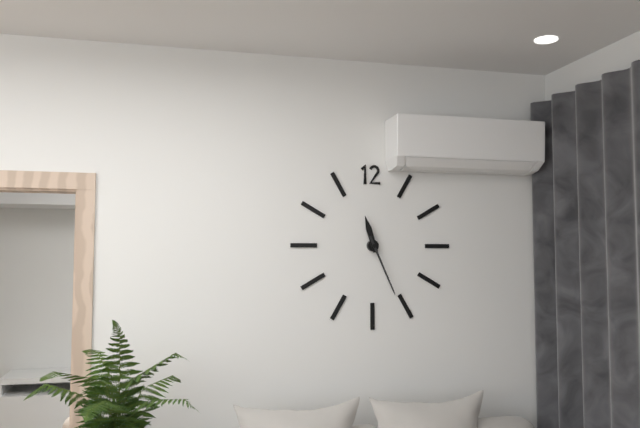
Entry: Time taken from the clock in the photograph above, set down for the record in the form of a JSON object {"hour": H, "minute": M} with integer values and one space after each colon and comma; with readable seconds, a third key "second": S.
{"hour": 11, "minute": 26}
